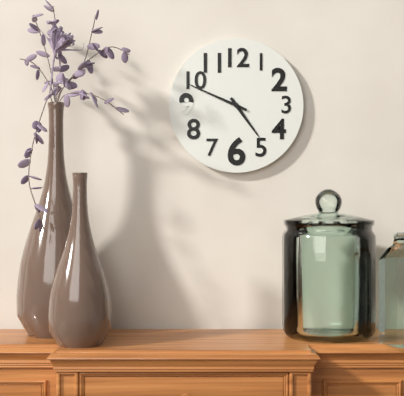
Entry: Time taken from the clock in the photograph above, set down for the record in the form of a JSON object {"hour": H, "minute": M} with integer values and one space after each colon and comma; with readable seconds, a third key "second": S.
{"hour": 4, "minute": 49}
